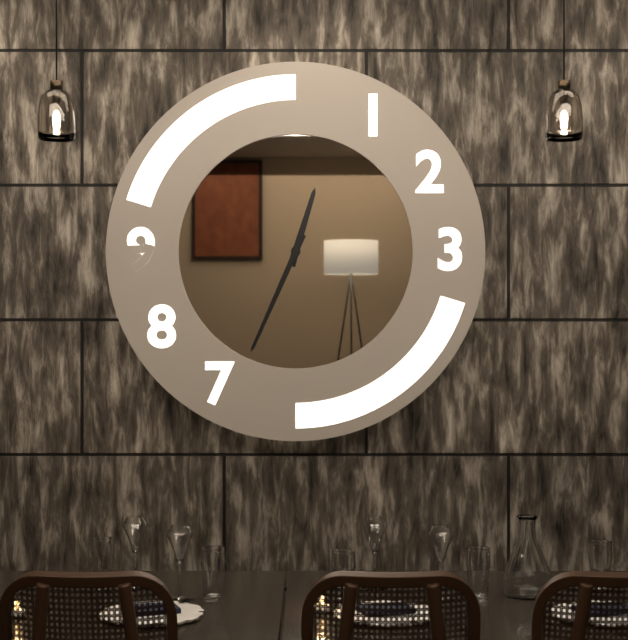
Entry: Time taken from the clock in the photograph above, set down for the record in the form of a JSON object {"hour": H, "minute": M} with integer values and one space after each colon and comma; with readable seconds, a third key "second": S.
{"hour": 12, "minute": 34}
